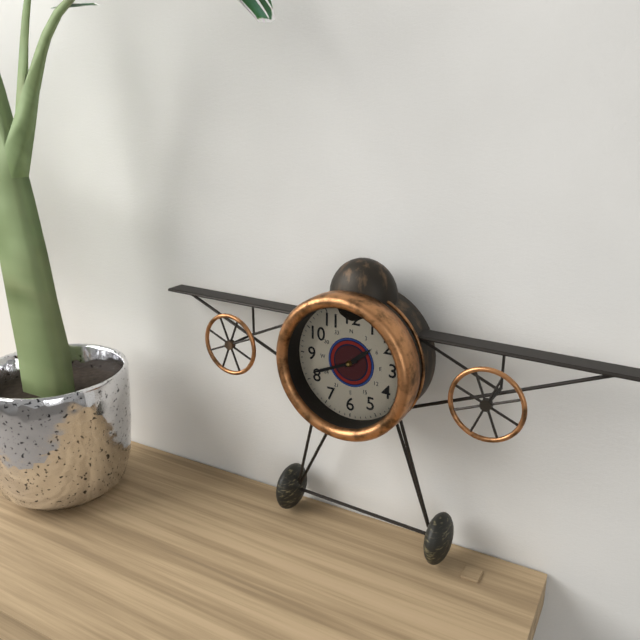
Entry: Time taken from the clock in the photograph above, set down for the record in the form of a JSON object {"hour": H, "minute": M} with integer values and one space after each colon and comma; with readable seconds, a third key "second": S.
{"hour": 1, "minute": 41}
